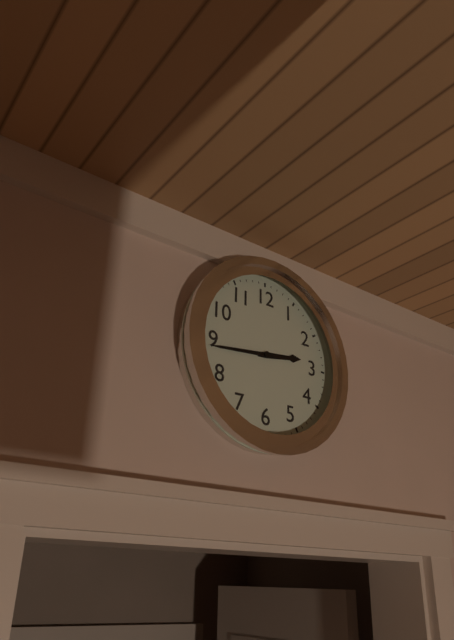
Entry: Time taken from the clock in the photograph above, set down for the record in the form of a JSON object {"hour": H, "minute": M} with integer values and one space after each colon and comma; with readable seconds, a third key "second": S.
{"hour": 2, "minute": 44}
